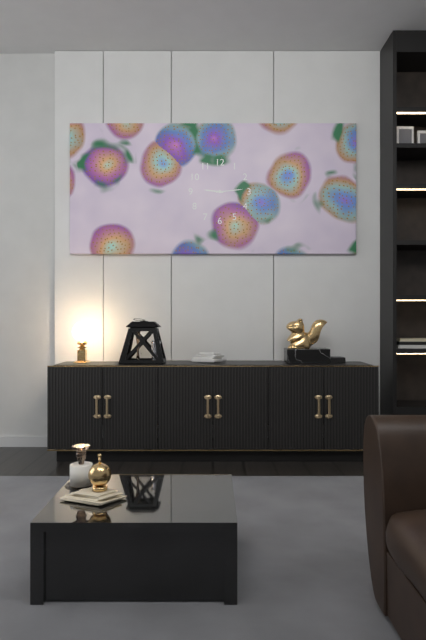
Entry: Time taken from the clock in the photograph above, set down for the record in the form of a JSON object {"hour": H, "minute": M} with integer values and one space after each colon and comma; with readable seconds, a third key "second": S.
{"hour": 9, "minute": 14}
